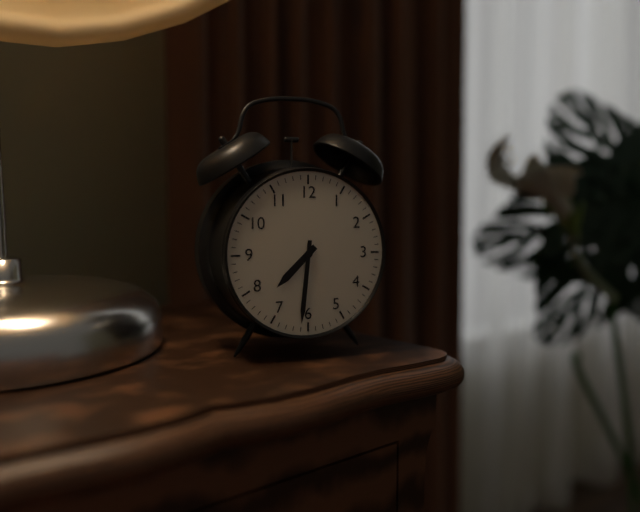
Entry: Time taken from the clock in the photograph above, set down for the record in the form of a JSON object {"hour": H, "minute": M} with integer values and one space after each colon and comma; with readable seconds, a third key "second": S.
{"hour": 7, "minute": 31}
